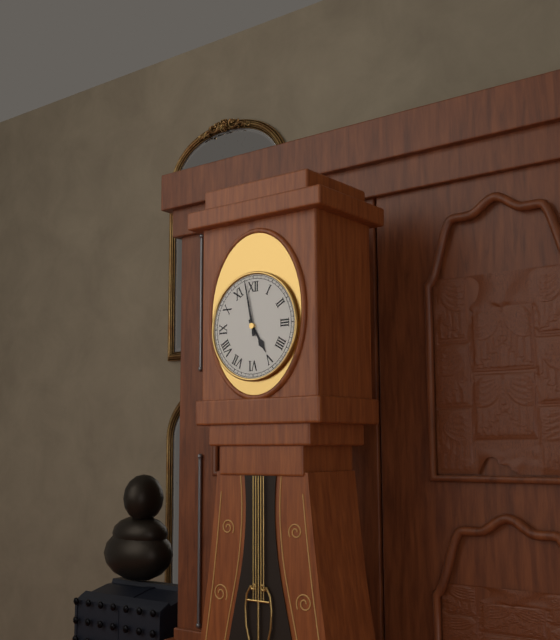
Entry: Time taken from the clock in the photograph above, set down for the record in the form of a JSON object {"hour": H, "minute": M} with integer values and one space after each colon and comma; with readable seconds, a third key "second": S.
{"hour": 4, "minute": 58}
